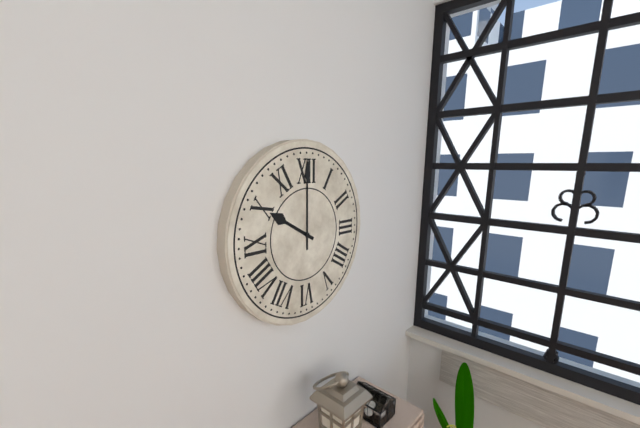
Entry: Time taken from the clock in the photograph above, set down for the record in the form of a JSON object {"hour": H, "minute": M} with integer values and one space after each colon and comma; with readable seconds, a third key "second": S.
{"hour": 10, "minute": 0}
